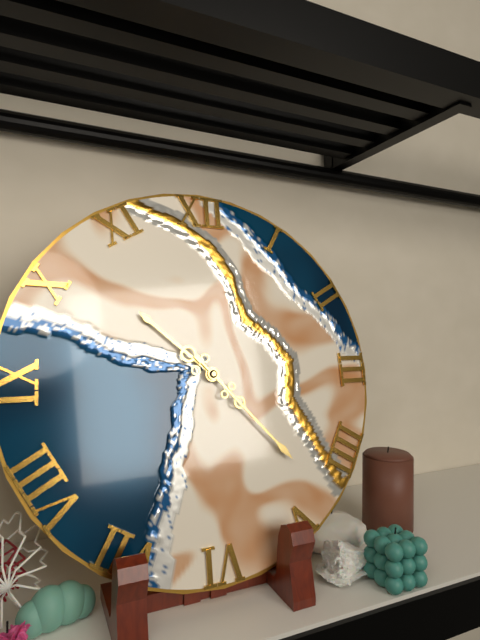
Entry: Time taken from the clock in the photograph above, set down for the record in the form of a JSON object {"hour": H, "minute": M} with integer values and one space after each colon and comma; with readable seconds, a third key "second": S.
{"hour": 10, "minute": 23}
